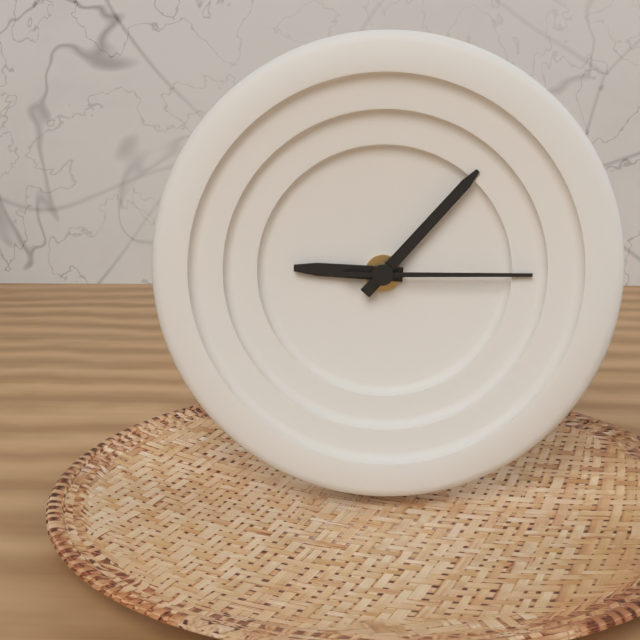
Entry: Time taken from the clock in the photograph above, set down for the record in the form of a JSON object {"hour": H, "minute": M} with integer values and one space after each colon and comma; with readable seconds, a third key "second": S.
{"hour": 9, "minute": 7, "second": 15}
